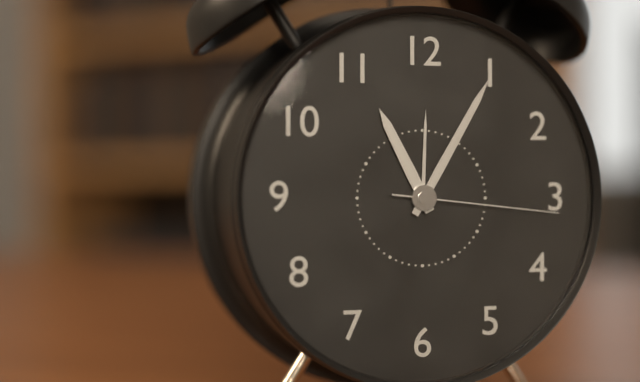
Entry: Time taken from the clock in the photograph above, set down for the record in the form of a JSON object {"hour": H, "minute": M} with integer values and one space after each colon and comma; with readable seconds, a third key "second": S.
{"hour": 11, "minute": 5, "second": 16}
